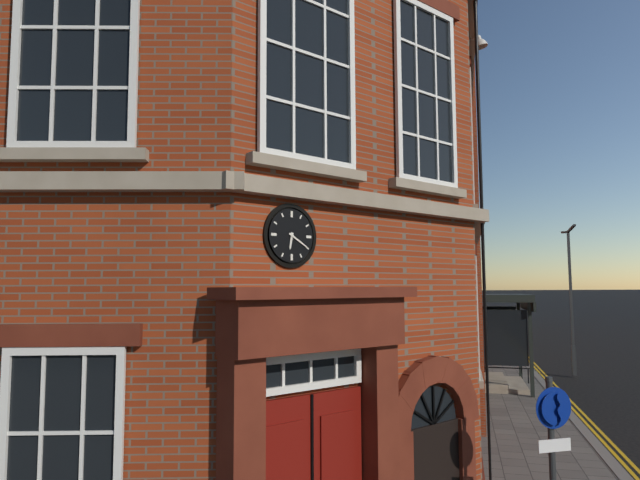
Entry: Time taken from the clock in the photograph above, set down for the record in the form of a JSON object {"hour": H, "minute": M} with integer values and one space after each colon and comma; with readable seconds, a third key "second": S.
{"hour": 6, "minute": 20}
